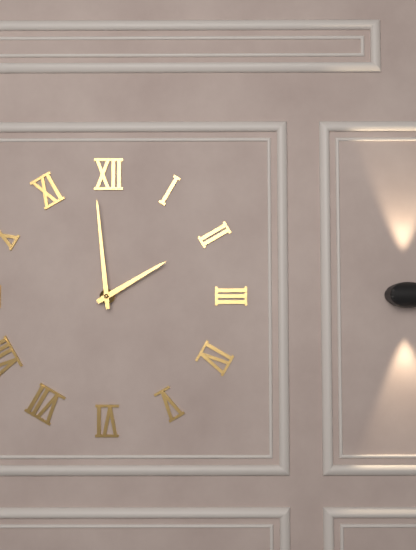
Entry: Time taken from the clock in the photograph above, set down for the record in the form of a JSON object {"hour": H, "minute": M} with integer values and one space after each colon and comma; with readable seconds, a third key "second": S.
{"hour": 1, "minute": 59}
